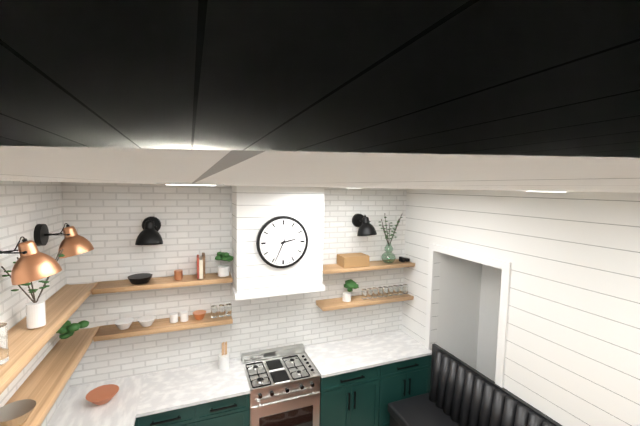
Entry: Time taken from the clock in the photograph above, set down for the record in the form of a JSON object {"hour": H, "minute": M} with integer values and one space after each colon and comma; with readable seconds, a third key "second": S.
{"hour": 2, "minute": 34}
